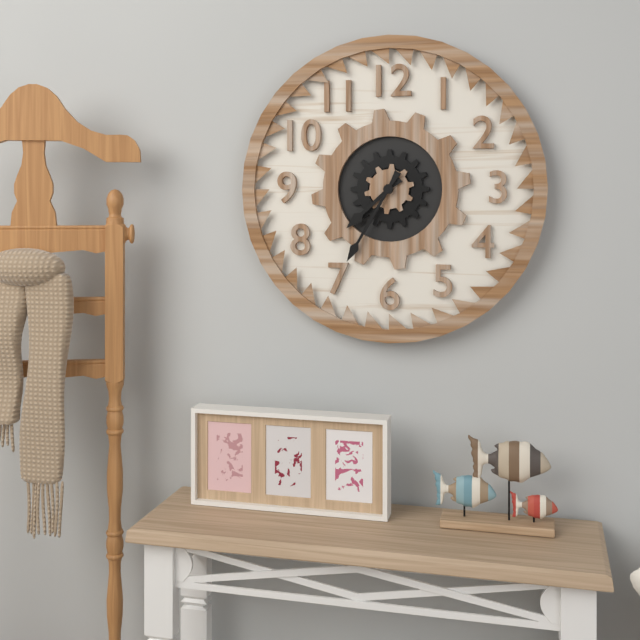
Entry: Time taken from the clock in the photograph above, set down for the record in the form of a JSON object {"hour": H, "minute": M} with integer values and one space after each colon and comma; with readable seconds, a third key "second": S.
{"hour": 7, "minute": 35}
